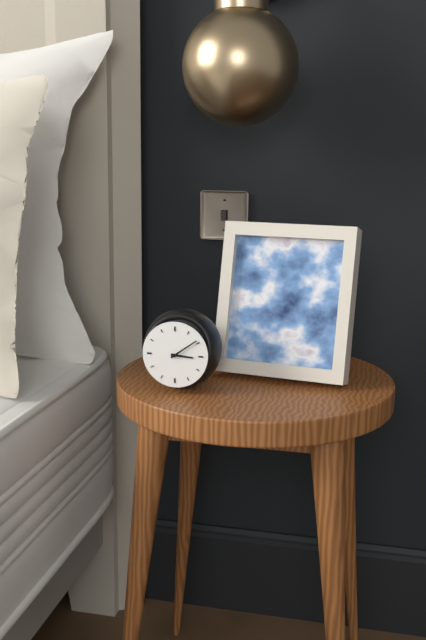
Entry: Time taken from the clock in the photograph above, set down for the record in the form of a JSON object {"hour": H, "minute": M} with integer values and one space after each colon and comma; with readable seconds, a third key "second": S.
{"hour": 3, "minute": 9}
